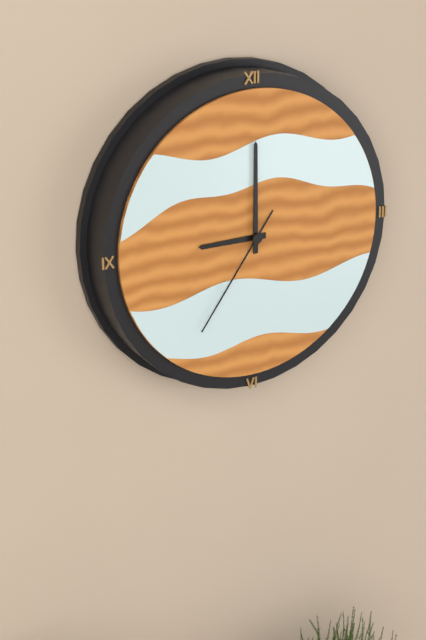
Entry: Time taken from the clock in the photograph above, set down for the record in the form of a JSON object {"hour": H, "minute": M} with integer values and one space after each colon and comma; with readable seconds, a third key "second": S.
{"hour": 9, "minute": 0, "second": 36}
